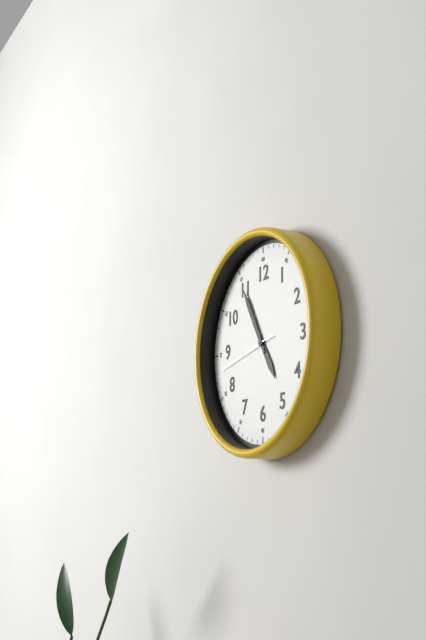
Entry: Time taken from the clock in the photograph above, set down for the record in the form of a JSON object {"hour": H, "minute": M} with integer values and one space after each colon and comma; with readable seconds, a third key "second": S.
{"hour": 4, "minute": 55, "second": 43}
